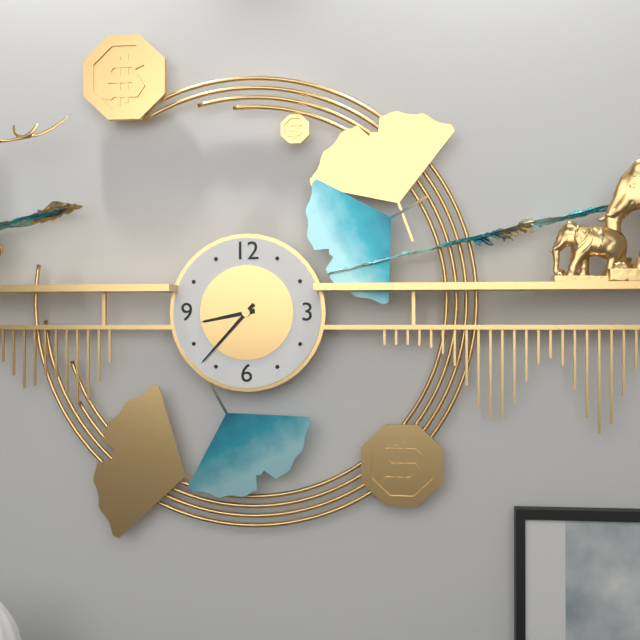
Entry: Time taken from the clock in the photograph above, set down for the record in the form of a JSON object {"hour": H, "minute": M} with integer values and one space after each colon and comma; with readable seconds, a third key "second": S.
{"hour": 8, "minute": 37}
